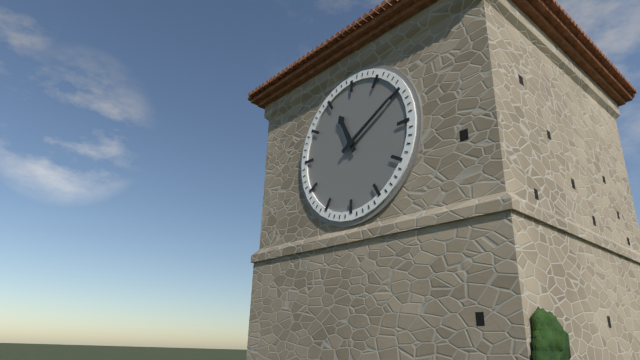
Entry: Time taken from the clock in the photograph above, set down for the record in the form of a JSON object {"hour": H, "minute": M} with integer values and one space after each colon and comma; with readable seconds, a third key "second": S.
{"hour": 11, "minute": 10}
